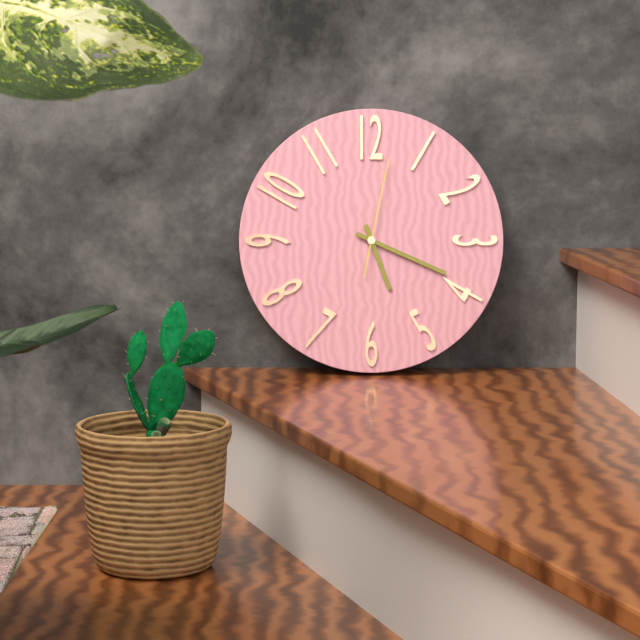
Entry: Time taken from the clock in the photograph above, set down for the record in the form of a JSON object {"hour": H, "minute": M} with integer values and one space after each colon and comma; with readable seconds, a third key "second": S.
{"hour": 5, "minute": 19, "second": 2}
